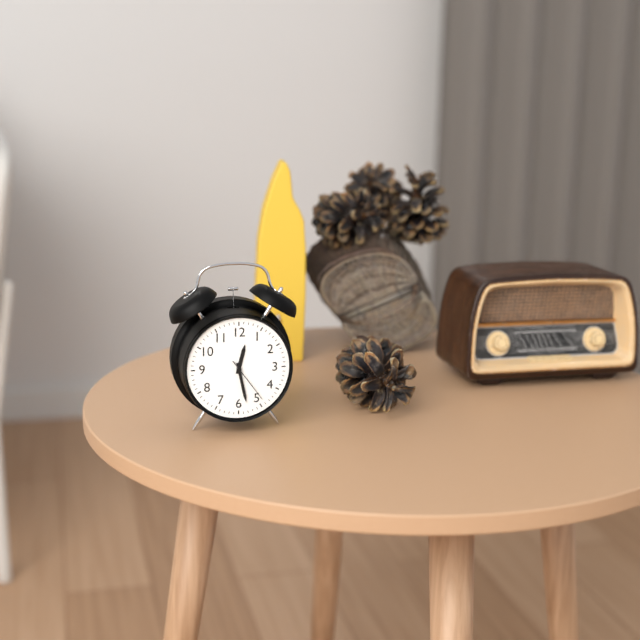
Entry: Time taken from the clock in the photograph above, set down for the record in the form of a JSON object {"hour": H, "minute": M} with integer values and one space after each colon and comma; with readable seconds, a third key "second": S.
{"hour": 12, "minute": 28}
